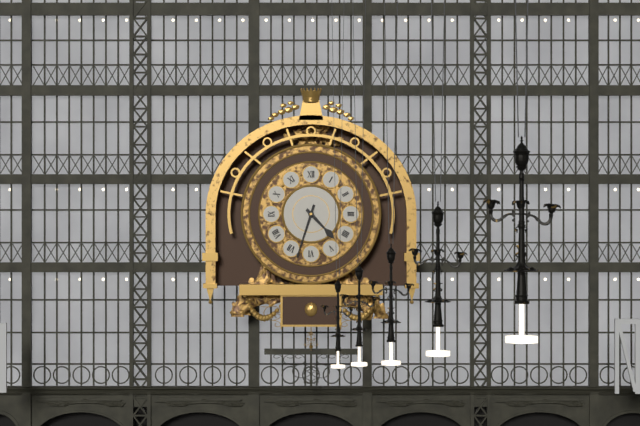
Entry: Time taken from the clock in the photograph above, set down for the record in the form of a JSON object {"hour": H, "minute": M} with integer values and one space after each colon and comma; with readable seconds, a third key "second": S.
{"hour": 4, "minute": 33}
